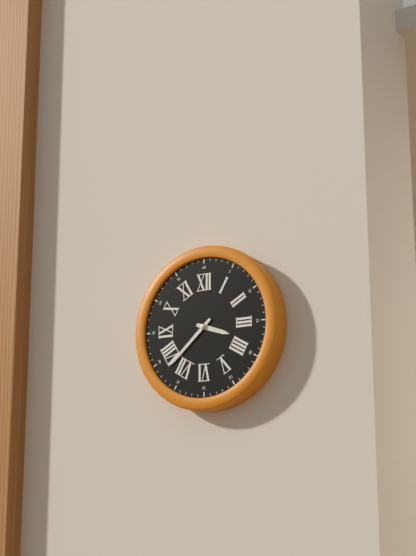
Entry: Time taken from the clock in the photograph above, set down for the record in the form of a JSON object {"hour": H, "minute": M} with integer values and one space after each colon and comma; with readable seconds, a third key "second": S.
{"hour": 3, "minute": 38}
